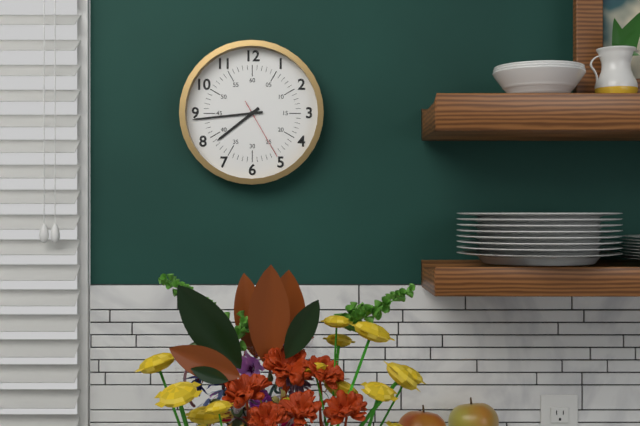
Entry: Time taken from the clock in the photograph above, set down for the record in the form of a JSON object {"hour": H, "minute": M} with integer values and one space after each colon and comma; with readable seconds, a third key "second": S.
{"hour": 7, "minute": 44, "second": 25}
